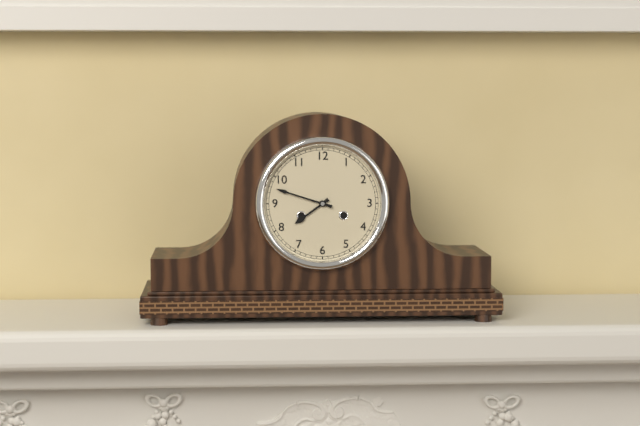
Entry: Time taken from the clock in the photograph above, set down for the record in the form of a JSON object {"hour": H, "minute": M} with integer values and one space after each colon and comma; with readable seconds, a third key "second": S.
{"hour": 7, "minute": 48}
